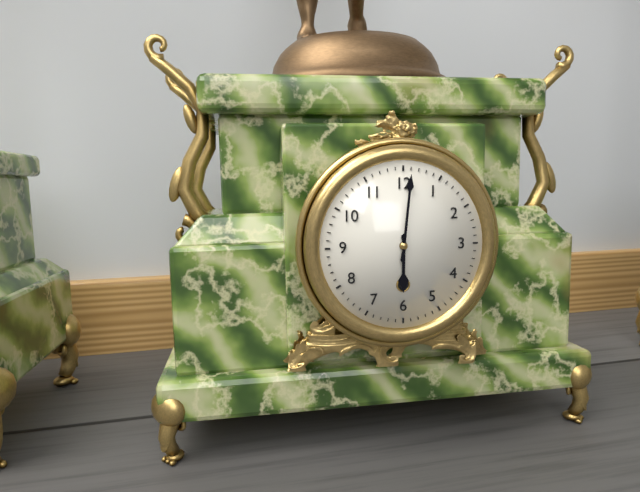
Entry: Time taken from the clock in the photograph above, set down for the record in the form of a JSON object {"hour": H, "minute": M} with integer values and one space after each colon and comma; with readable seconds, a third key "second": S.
{"hour": 6, "minute": 1}
